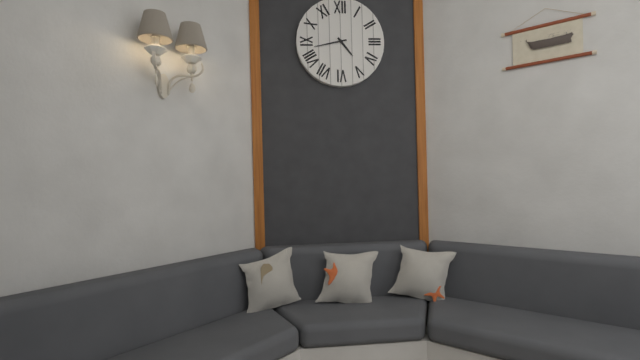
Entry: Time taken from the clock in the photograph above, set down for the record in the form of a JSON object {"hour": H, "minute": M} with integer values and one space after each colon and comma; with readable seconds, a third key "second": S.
{"hour": 4, "minute": 43}
